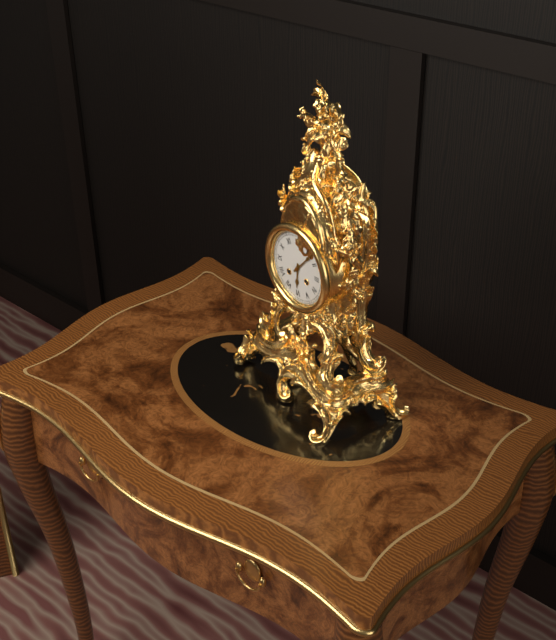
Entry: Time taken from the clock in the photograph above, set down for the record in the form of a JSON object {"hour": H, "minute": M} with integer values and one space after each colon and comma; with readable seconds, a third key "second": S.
{"hour": 6, "minute": 7}
